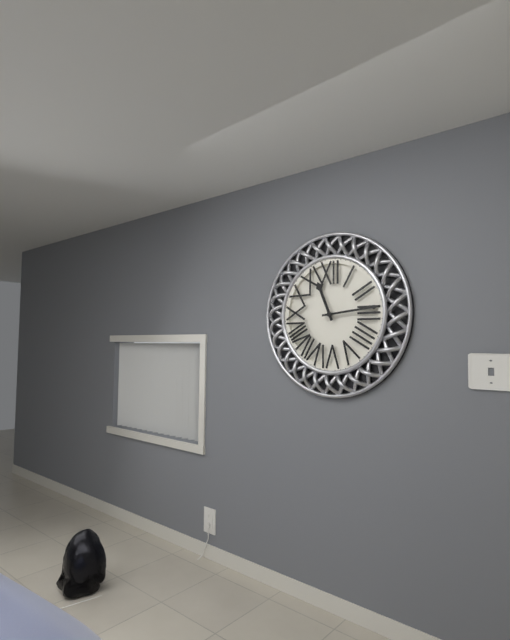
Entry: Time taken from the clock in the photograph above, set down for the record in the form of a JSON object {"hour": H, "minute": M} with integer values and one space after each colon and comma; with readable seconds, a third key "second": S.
{"hour": 11, "minute": 14}
